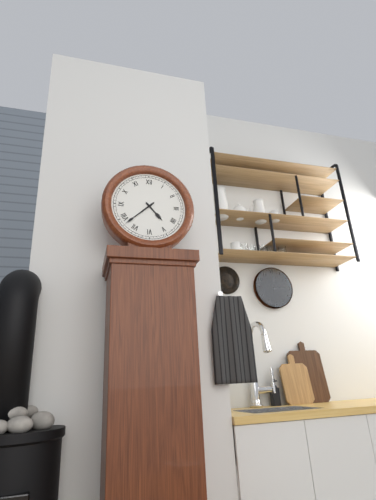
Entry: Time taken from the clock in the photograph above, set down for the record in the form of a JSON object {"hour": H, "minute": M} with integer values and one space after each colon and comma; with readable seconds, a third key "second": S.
{"hour": 4, "minute": 38}
